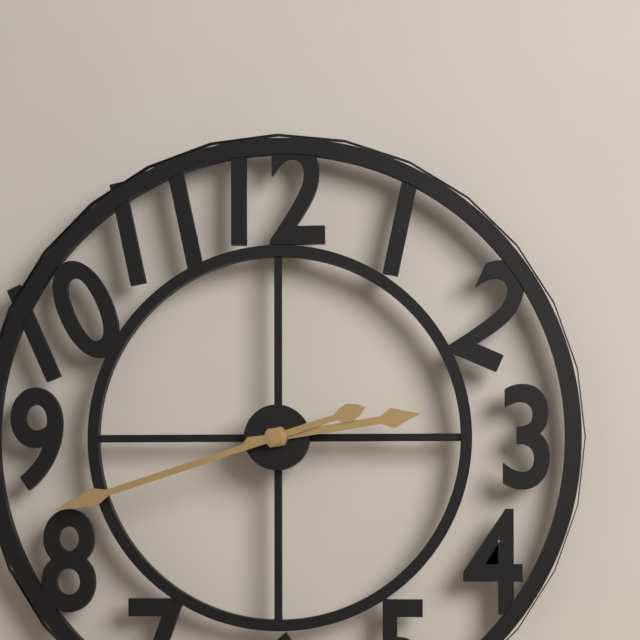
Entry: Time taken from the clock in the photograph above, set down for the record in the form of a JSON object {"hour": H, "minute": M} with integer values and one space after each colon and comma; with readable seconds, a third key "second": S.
{"hour": 2, "minute": 42}
